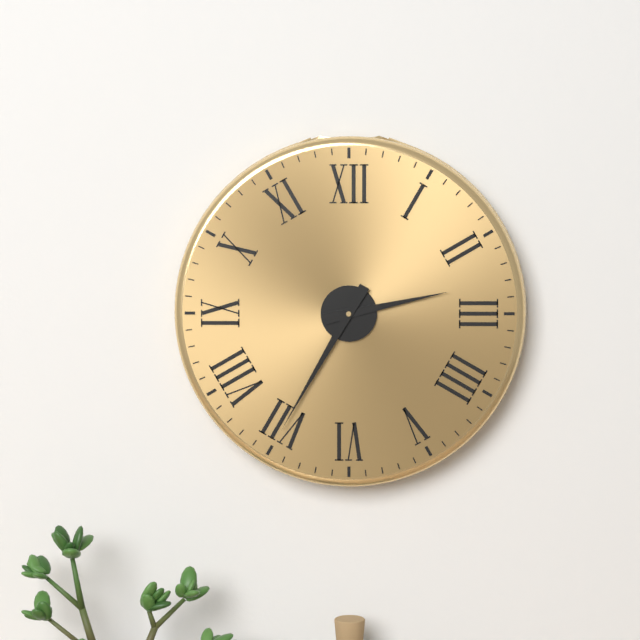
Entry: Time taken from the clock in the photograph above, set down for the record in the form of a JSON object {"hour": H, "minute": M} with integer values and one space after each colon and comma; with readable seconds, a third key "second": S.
{"hour": 2, "minute": 35}
